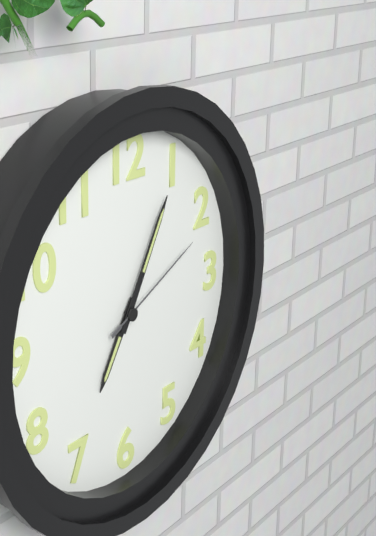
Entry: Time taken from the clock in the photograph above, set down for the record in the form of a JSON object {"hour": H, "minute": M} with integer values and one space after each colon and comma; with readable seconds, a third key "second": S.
{"hour": 7, "minute": 5, "second": 11}
